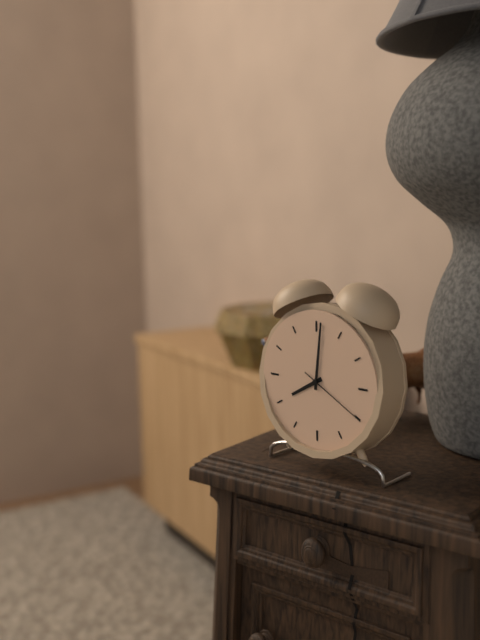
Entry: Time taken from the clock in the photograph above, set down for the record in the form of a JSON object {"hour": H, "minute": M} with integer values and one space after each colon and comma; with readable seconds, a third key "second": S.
{"hour": 8, "minute": 1, "second": 20}
